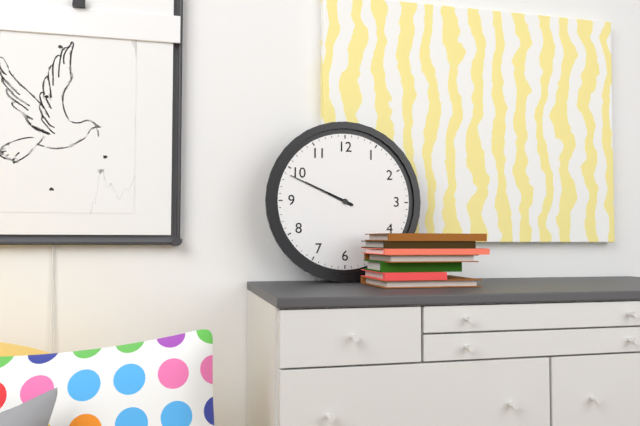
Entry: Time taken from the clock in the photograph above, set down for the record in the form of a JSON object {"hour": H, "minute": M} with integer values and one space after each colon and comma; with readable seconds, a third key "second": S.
{"hour": 9, "minute": 49}
